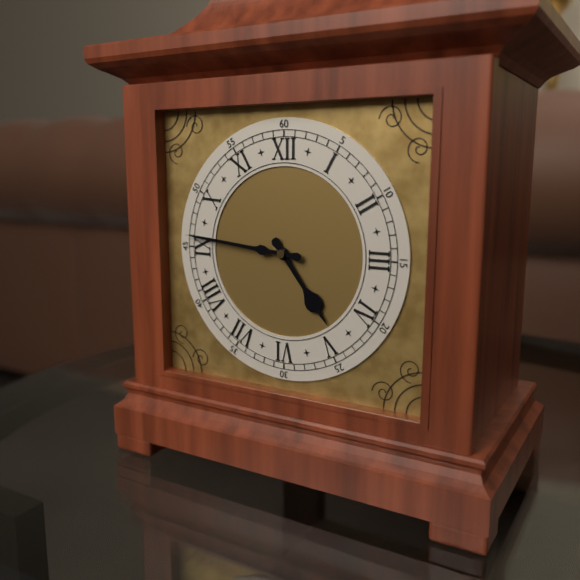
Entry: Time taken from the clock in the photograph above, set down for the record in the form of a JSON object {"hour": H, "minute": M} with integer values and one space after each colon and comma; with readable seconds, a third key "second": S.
{"hour": 4, "minute": 46}
